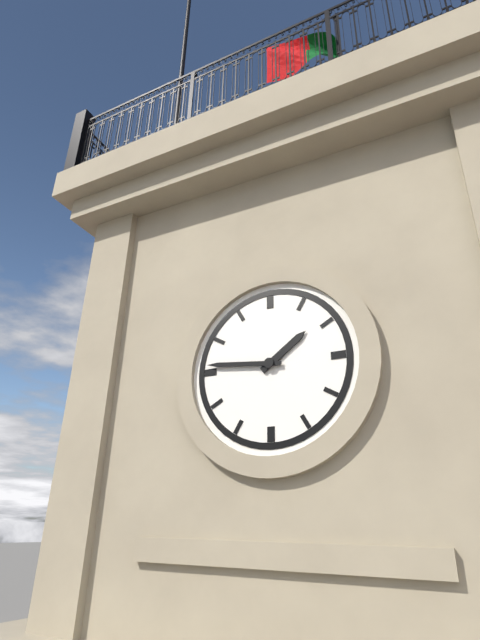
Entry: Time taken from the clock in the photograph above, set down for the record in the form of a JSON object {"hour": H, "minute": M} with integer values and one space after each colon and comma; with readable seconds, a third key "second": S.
{"hour": 1, "minute": 46}
